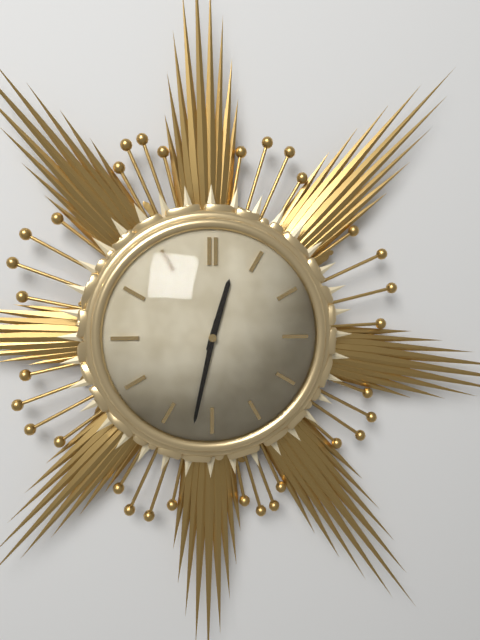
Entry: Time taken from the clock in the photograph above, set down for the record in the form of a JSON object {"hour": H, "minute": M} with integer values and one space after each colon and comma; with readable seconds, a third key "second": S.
{"hour": 12, "minute": 32}
